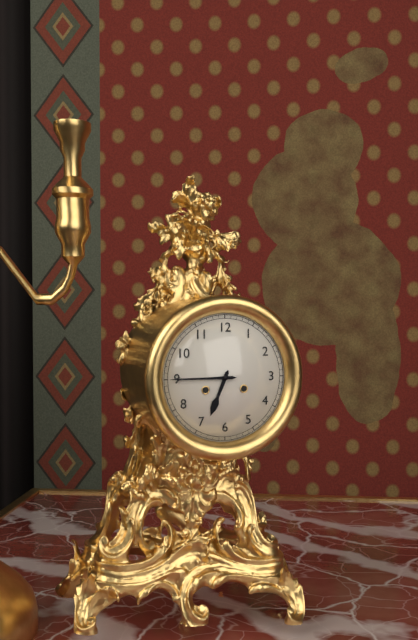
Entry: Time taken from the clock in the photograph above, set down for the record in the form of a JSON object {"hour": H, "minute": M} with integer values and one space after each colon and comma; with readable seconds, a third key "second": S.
{"hour": 6, "minute": 45}
